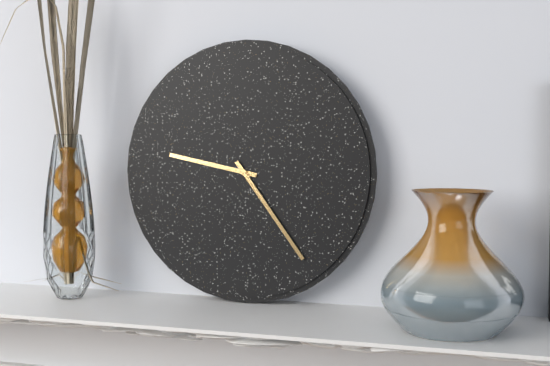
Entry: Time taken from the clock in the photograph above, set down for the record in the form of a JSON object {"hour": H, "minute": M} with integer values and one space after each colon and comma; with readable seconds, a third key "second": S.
{"hour": 9, "minute": 24}
